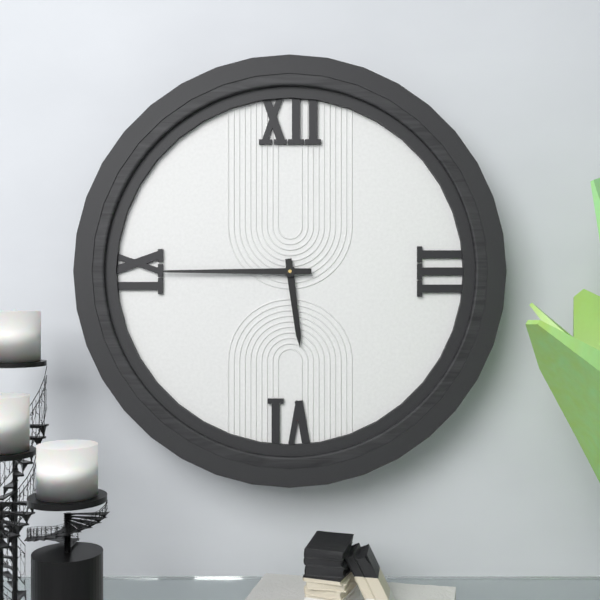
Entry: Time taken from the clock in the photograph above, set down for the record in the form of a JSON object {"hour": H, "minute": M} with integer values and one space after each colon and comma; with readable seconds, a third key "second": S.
{"hour": 5, "minute": 45}
